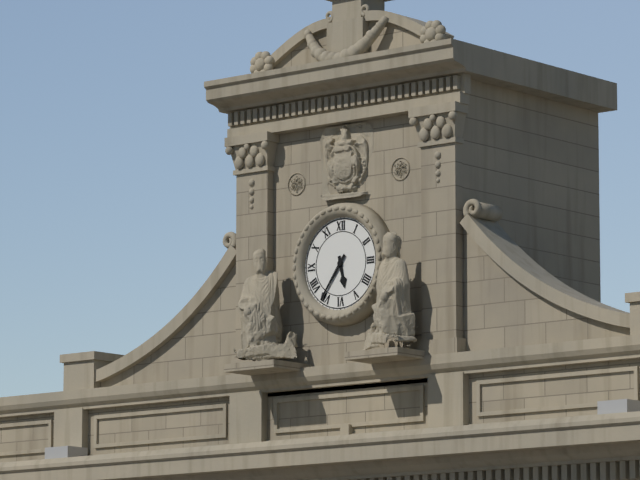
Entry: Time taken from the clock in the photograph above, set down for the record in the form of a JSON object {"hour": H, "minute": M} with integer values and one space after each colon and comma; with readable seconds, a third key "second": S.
{"hour": 5, "minute": 36}
